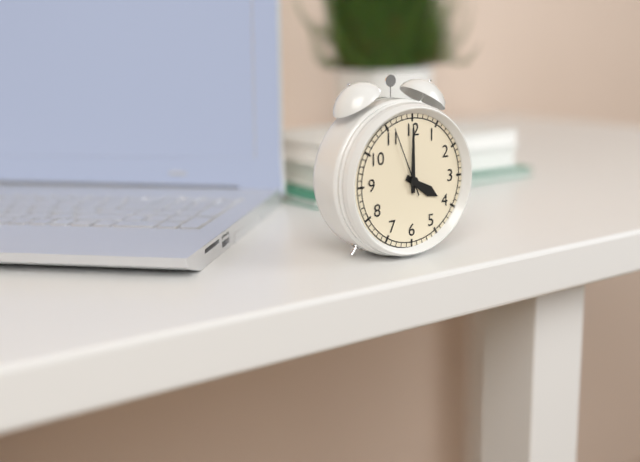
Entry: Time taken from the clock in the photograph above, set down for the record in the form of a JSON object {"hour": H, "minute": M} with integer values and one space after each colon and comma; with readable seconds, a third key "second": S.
{"hour": 4, "minute": 0, "second": 56}
